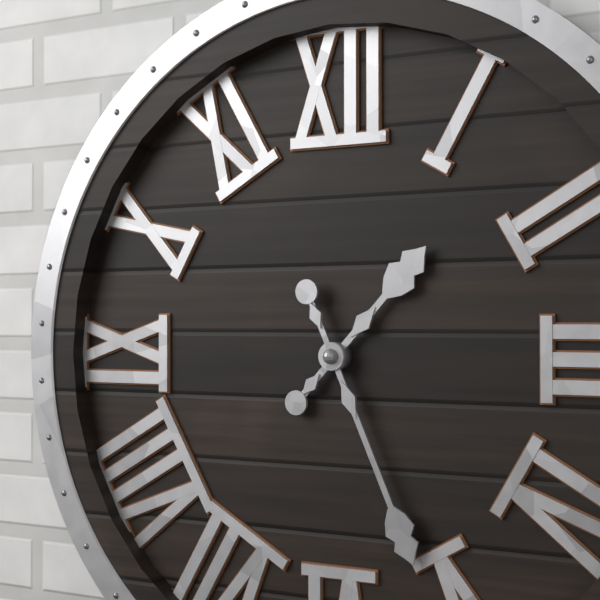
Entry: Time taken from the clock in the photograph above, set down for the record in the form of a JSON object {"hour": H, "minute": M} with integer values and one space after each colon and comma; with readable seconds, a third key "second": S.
{"hour": 1, "minute": 26}
